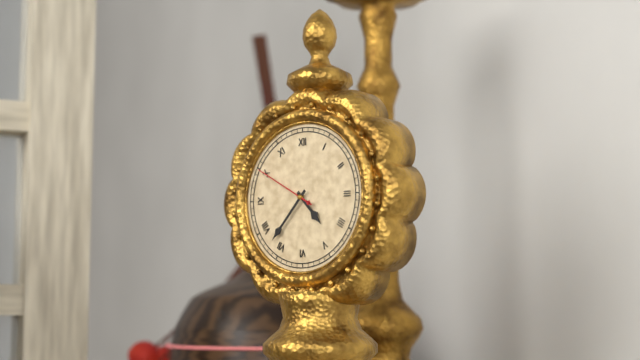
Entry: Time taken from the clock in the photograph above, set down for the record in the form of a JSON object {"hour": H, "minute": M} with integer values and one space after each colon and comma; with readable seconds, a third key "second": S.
{"hour": 4, "minute": 37, "second": 50}
